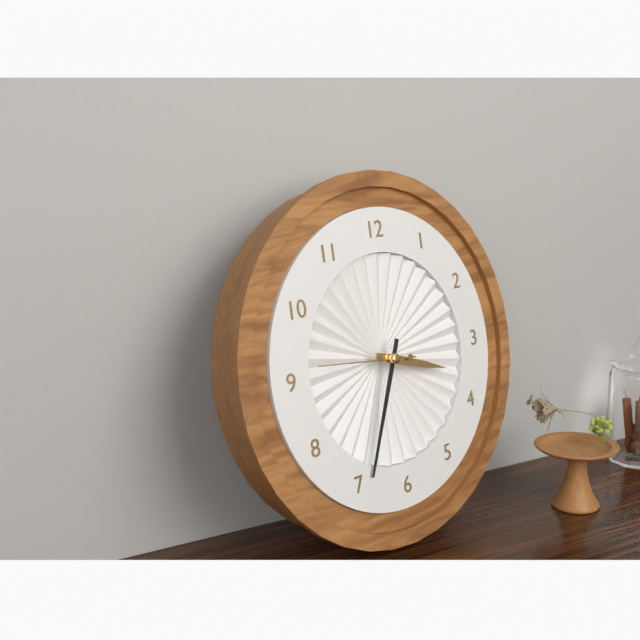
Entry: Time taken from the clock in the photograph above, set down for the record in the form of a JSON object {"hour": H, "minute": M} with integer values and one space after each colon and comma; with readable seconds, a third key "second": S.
{"hour": 3, "minute": 34, "second": 46}
